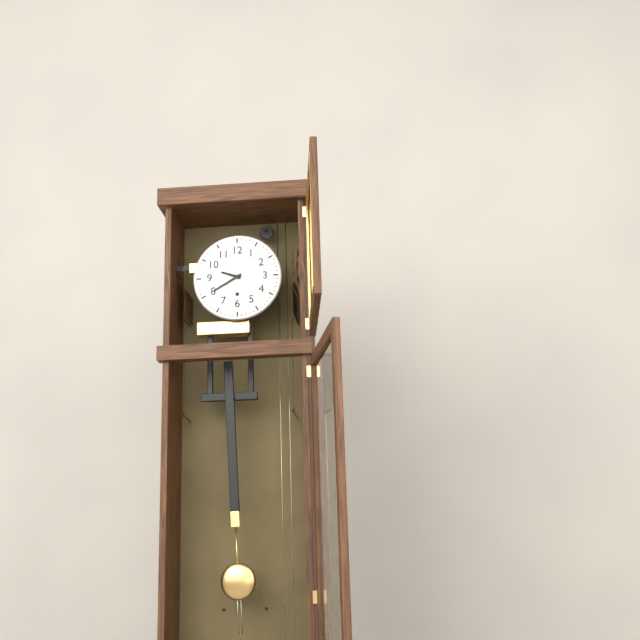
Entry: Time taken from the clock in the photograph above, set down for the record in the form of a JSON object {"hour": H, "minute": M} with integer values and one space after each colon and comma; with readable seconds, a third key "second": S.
{"hour": 9, "minute": 40}
